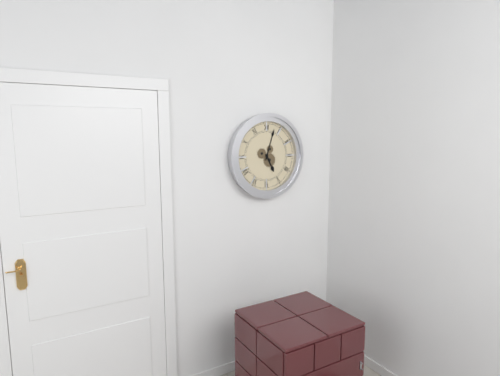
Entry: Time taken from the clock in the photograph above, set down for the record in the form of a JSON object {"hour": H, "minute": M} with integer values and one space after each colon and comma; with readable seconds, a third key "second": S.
{"hour": 5, "minute": 3}
